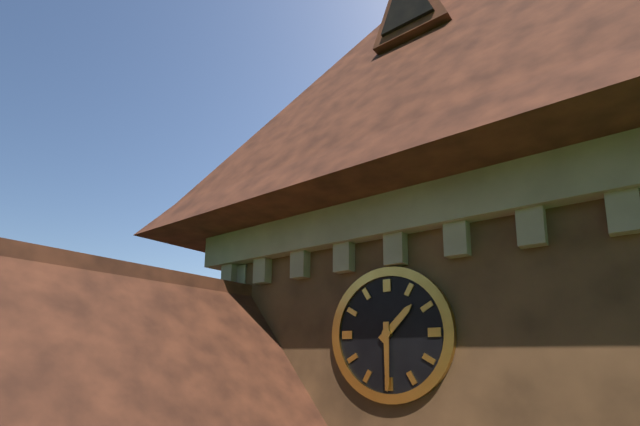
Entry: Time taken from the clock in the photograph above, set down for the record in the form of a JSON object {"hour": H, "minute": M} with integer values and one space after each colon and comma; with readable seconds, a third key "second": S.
{"hour": 1, "minute": 30}
